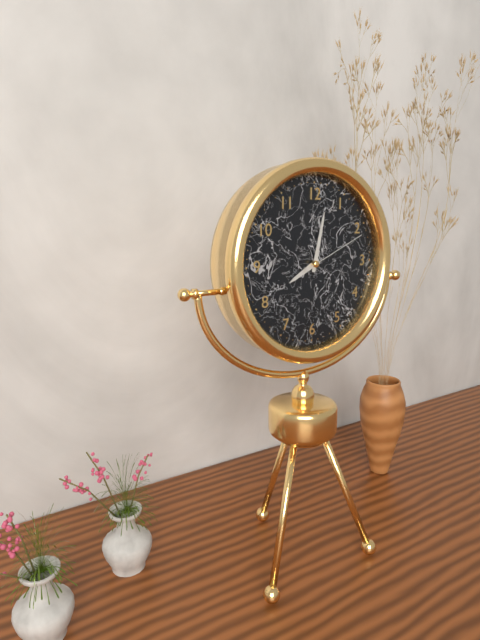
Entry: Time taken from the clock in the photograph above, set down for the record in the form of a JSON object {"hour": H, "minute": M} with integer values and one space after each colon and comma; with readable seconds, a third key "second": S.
{"hour": 8, "minute": 2, "second": 11}
